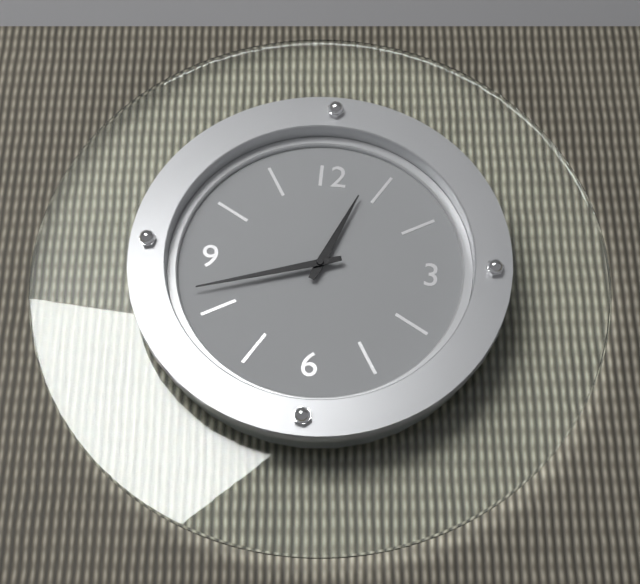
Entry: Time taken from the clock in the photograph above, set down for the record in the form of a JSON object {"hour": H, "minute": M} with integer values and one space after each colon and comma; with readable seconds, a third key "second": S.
{"hour": 12, "minute": 42}
